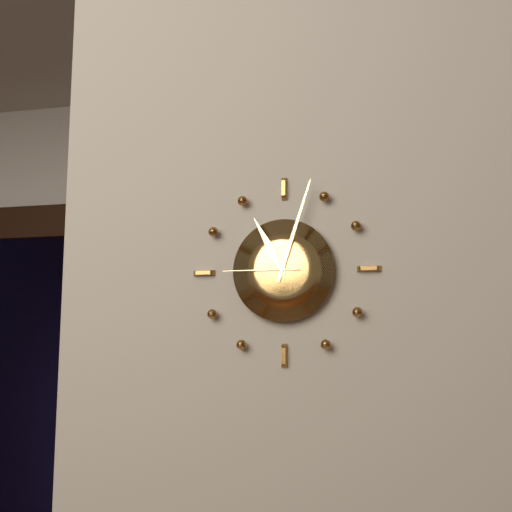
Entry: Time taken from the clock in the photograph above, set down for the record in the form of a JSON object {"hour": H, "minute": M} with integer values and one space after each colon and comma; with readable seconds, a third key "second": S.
{"hour": 11, "minute": 3, "second": 45}
